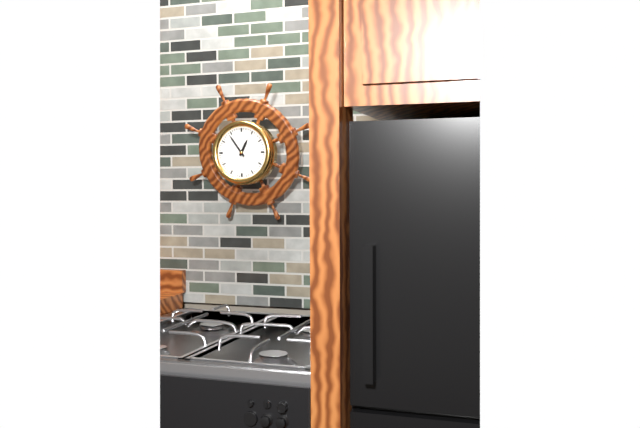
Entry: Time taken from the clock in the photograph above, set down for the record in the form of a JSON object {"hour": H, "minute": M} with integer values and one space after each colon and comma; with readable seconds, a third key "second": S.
{"hour": 12, "minute": 54}
